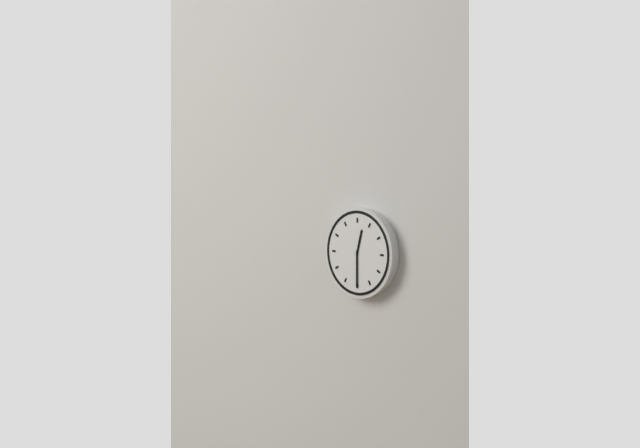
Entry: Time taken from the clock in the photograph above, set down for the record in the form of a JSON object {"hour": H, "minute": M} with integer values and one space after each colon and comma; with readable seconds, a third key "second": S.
{"hour": 12, "minute": 30}
